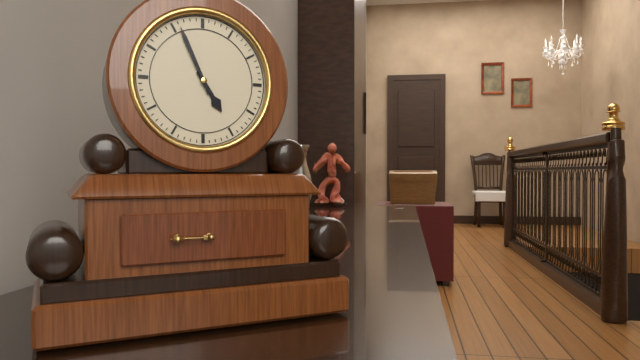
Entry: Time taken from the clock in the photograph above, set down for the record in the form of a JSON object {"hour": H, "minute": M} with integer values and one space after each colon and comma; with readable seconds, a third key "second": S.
{"hour": 4, "minute": 56}
